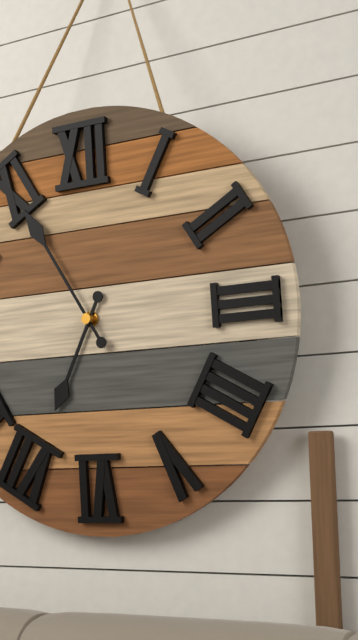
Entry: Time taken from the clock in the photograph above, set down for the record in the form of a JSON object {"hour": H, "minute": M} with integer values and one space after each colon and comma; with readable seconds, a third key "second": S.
{"hour": 6, "minute": 55}
